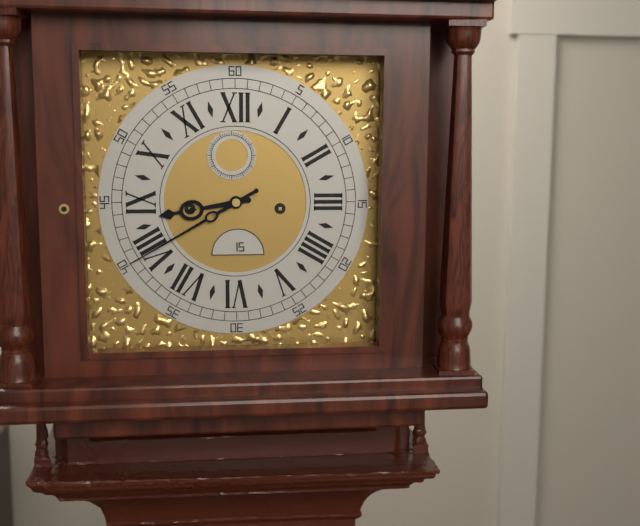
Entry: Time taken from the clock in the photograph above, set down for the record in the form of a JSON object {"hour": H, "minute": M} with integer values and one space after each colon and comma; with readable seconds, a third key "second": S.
{"hour": 8, "minute": 40}
